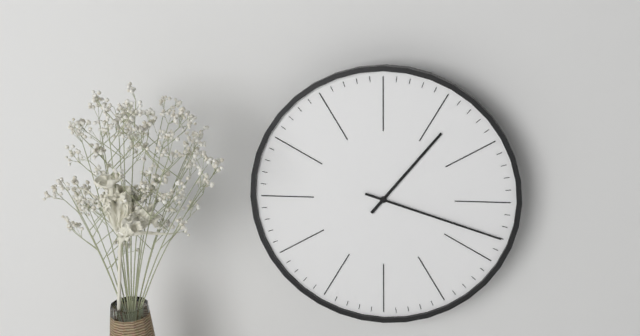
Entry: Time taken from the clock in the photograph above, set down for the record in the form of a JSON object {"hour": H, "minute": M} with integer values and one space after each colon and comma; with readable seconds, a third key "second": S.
{"hour": 1, "minute": 18}
